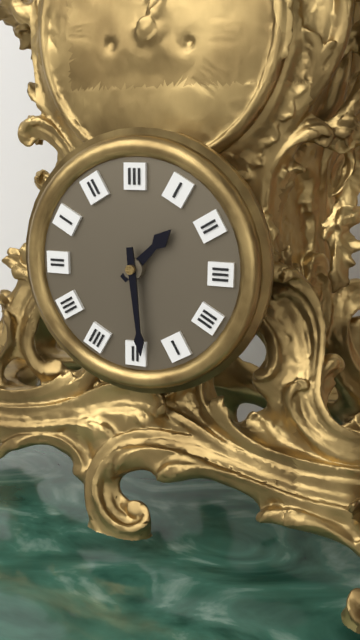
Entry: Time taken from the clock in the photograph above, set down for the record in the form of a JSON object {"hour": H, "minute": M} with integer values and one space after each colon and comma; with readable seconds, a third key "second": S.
{"hour": 1, "minute": 29}
